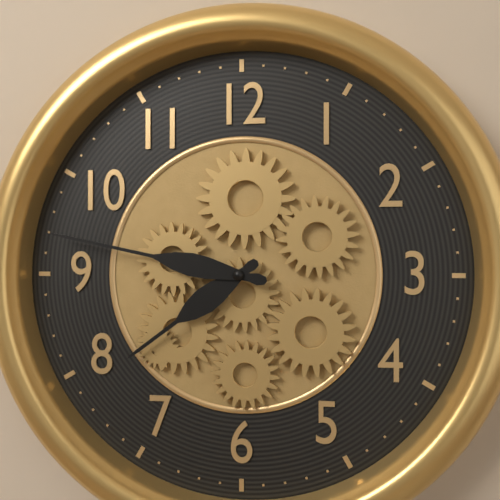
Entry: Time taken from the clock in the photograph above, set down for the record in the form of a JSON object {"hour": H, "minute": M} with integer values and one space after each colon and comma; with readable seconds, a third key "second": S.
{"hour": 7, "minute": 47}
